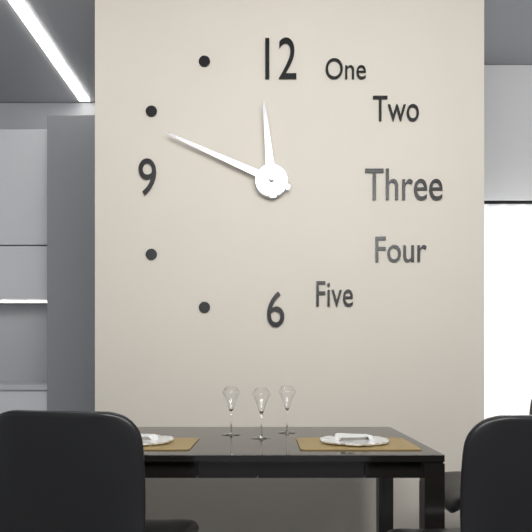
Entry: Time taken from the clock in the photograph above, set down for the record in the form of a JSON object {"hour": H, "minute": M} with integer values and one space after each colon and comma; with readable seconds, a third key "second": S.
{"hour": 11, "minute": 49}
